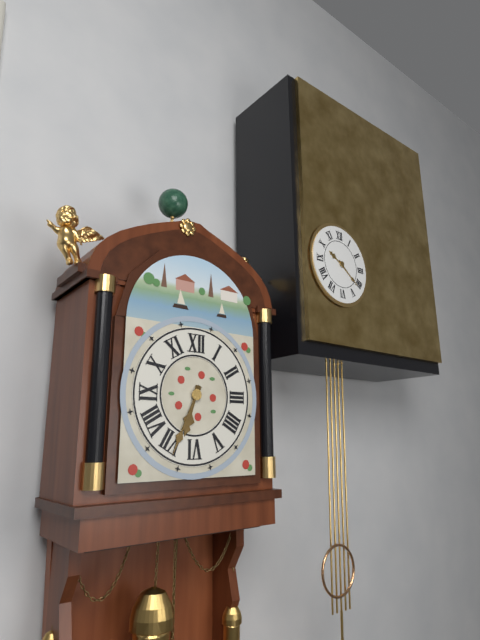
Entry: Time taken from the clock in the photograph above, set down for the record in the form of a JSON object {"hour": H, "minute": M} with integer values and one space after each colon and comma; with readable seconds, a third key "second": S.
{"hour": 6, "minute": 34}
